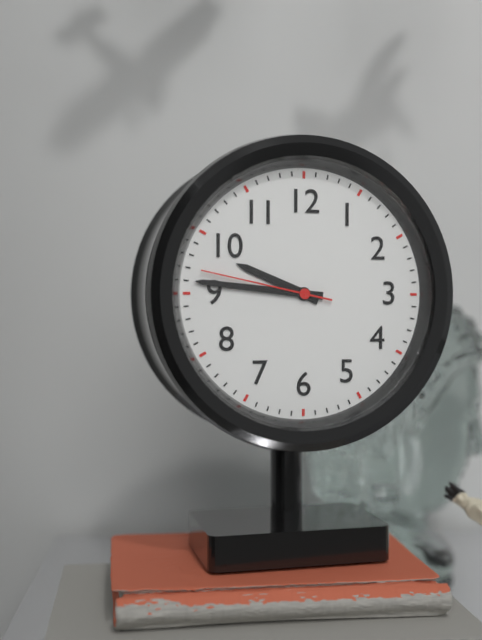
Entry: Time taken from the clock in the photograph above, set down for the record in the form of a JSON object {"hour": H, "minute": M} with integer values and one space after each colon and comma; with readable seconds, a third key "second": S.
{"hour": 9, "minute": 46, "second": 47}
